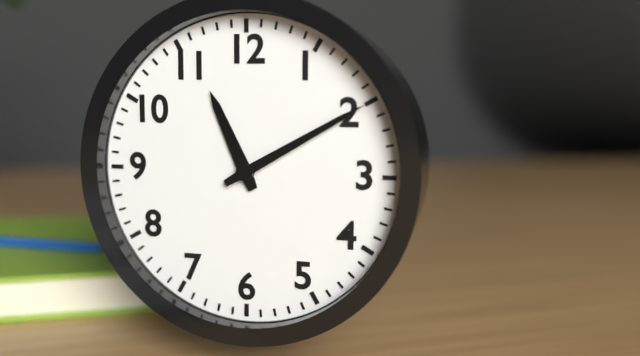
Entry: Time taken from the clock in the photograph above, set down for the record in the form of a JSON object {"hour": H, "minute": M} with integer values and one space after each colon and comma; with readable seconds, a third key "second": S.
{"hour": 11, "minute": 10}
